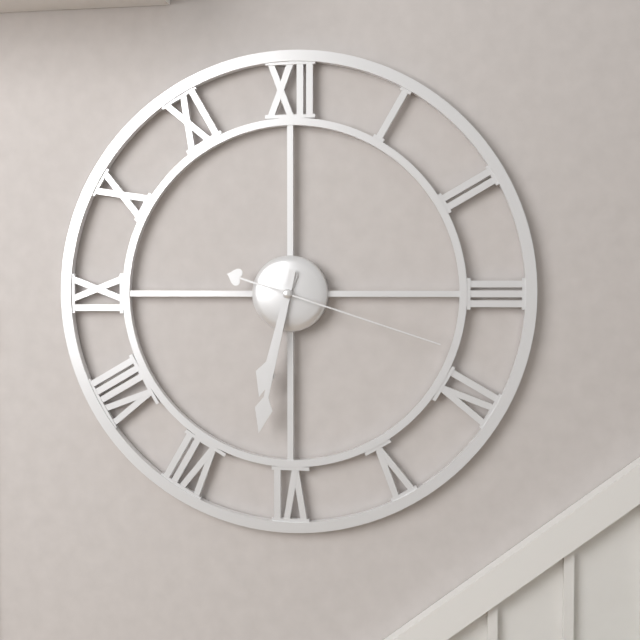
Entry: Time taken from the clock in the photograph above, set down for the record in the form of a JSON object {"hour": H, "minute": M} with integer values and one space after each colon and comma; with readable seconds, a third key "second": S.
{"hour": 6, "minute": 32, "second": 18}
